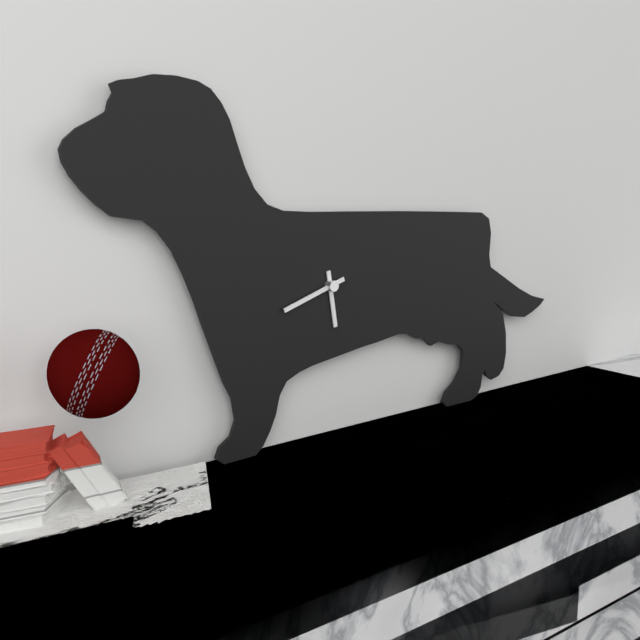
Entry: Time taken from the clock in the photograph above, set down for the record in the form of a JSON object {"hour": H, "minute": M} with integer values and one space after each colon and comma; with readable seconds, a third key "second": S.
{"hour": 5, "minute": 42}
